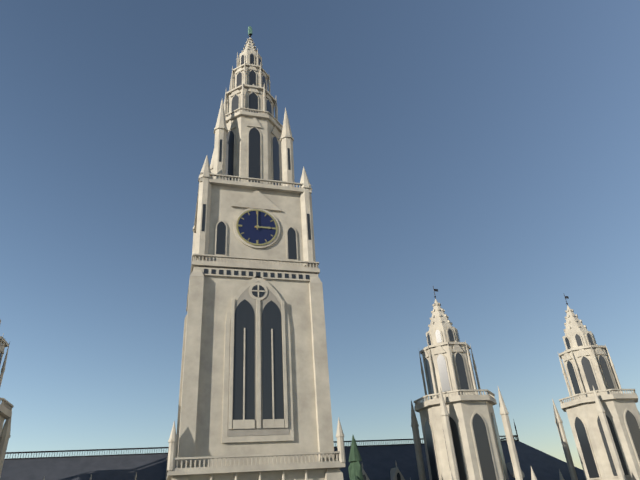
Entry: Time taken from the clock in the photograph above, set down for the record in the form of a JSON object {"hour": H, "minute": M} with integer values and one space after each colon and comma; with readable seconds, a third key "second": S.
{"hour": 3, "minute": 0}
